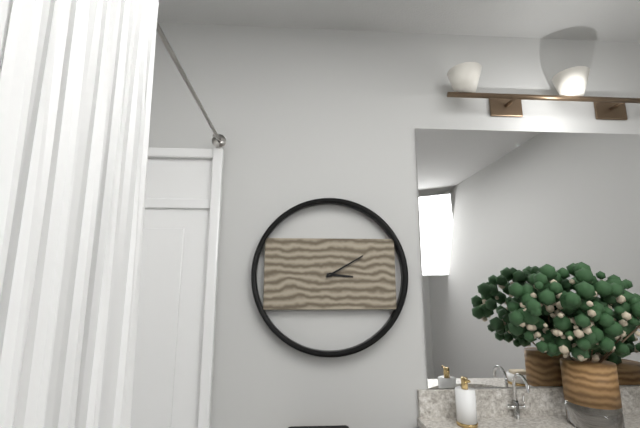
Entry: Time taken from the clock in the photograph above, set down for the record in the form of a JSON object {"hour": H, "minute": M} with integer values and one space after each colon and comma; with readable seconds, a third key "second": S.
{"hour": 3, "minute": 10}
